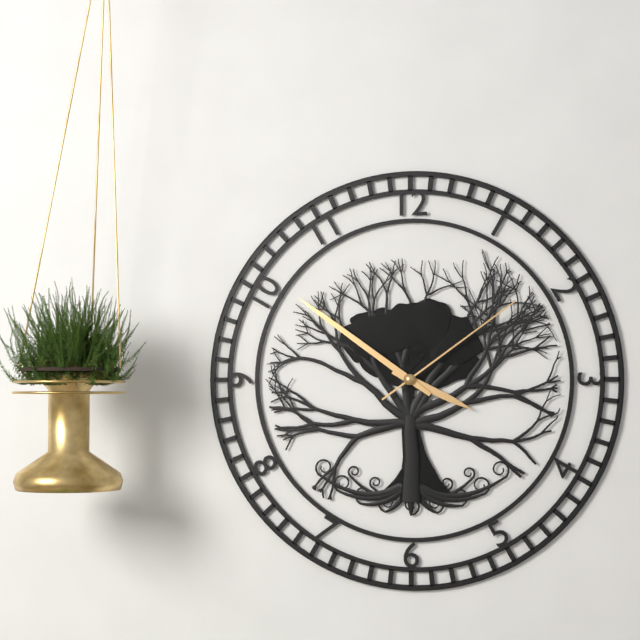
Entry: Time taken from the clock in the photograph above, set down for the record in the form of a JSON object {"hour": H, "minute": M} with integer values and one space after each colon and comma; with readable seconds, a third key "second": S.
{"hour": 3, "minute": 51, "second": 9}
